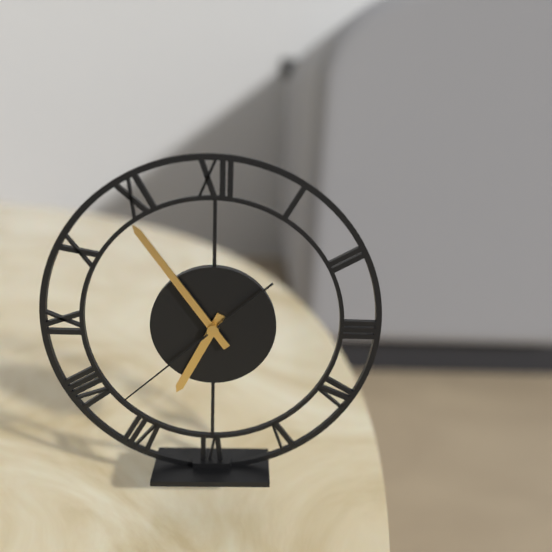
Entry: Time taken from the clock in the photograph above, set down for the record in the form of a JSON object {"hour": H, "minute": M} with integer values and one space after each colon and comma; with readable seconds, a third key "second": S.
{"hour": 6, "minute": 54, "second": 38}
